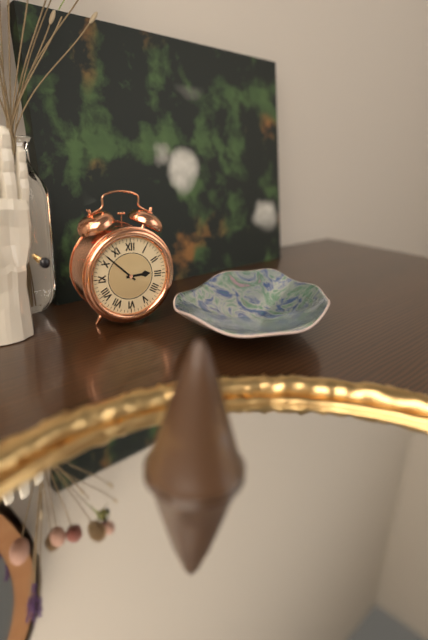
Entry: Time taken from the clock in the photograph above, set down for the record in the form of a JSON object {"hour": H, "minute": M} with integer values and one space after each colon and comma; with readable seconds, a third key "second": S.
{"hour": 2, "minute": 52}
